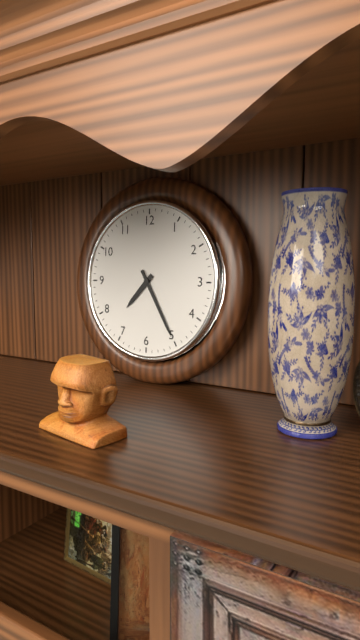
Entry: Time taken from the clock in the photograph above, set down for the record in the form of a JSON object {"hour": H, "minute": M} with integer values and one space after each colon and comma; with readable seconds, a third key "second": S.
{"hour": 7, "minute": 25}
